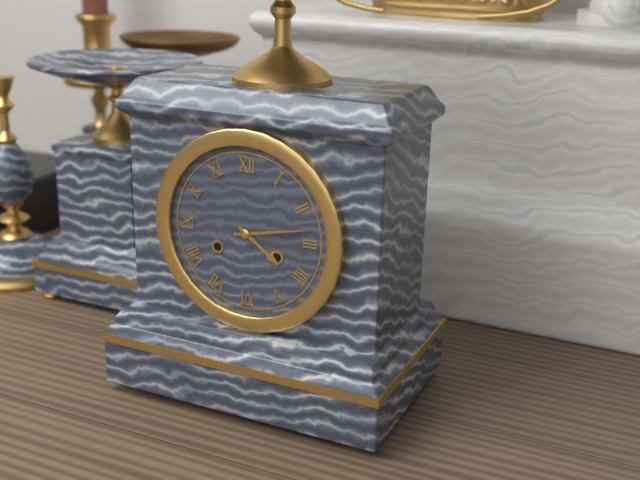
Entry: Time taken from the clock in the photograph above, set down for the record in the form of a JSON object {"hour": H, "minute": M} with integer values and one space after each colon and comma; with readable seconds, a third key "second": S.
{"hour": 4, "minute": 13}
